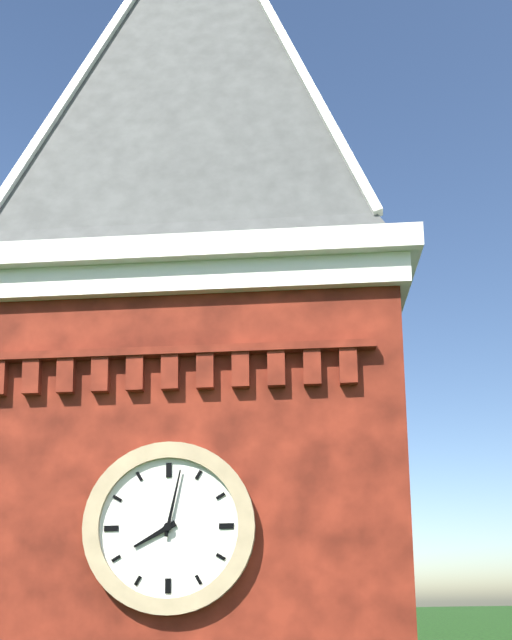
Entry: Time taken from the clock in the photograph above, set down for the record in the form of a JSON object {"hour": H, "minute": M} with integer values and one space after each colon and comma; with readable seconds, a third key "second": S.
{"hour": 8, "minute": 2}
